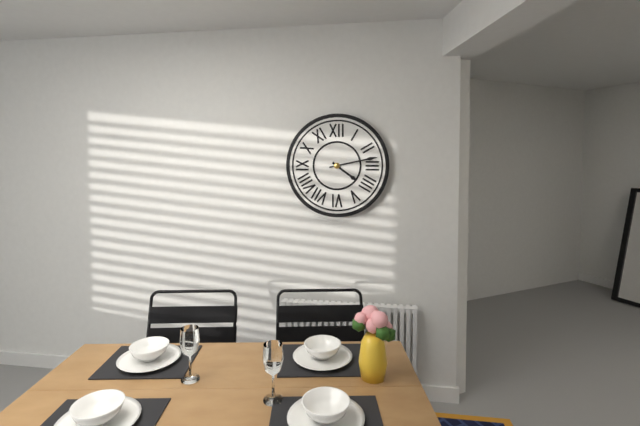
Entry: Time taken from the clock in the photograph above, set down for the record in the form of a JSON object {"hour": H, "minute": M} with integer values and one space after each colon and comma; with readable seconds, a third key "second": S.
{"hour": 4, "minute": 13}
